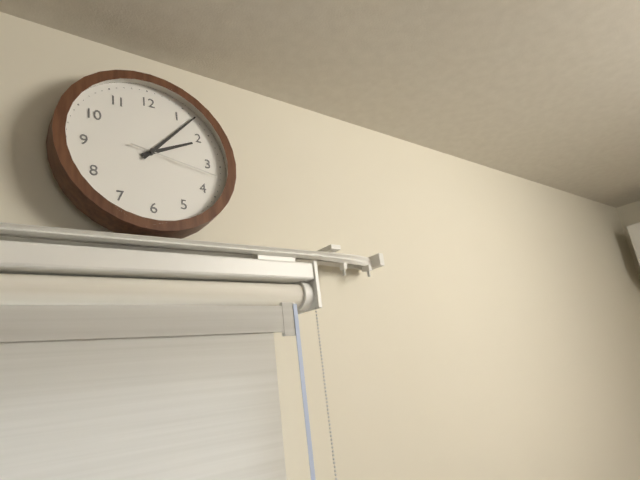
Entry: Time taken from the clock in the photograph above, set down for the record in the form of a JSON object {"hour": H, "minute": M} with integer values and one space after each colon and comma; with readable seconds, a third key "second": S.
{"hour": 2, "minute": 7, "second": 17}
